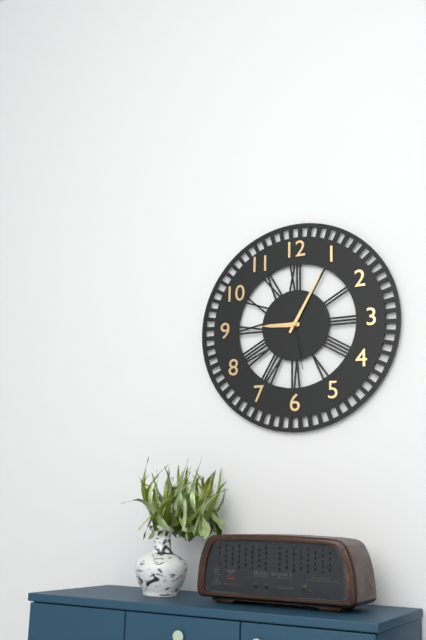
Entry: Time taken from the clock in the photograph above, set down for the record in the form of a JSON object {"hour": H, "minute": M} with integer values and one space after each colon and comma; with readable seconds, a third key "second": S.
{"hour": 9, "minute": 5, "second": 28}
